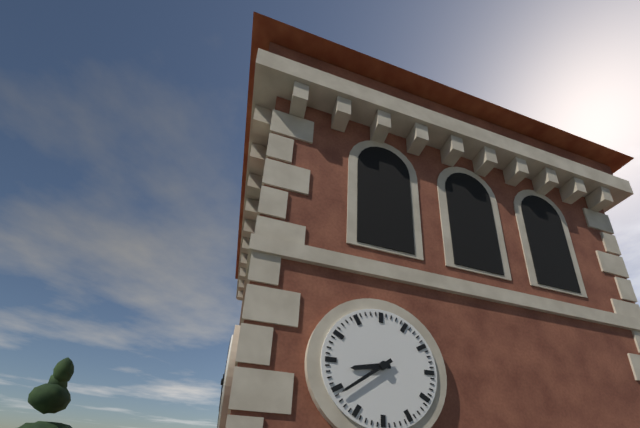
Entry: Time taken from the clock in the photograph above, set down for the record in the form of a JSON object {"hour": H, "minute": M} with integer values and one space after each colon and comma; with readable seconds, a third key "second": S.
{"hour": 8, "minute": 39}
